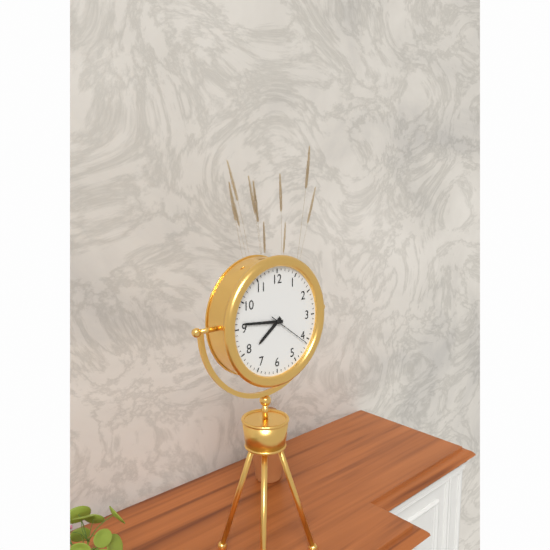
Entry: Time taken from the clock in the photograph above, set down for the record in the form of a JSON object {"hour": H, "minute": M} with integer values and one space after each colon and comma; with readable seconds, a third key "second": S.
{"hour": 7, "minute": 46}
